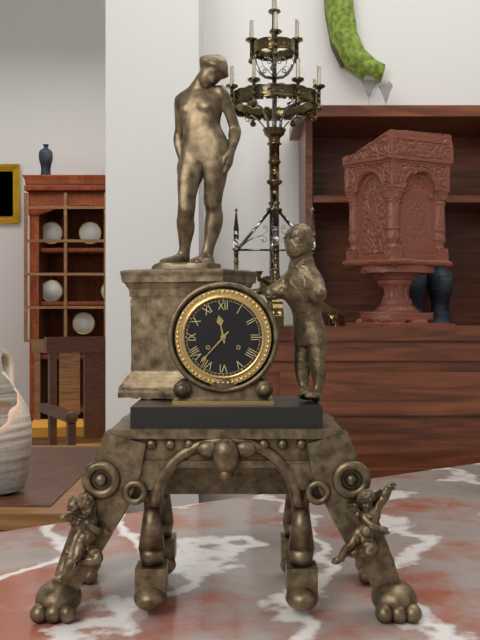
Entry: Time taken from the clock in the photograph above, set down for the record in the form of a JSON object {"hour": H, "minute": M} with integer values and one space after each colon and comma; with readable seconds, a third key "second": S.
{"hour": 11, "minute": 37}
